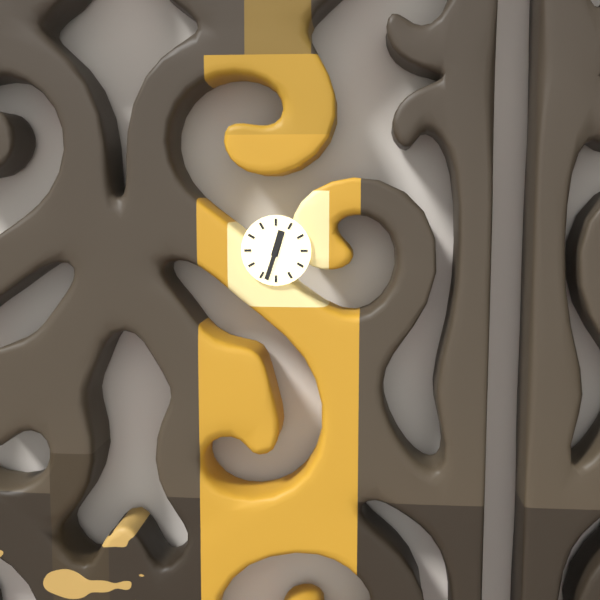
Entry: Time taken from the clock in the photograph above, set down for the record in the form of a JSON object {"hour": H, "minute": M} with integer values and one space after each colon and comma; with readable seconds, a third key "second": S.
{"hour": 12, "minute": 33}
